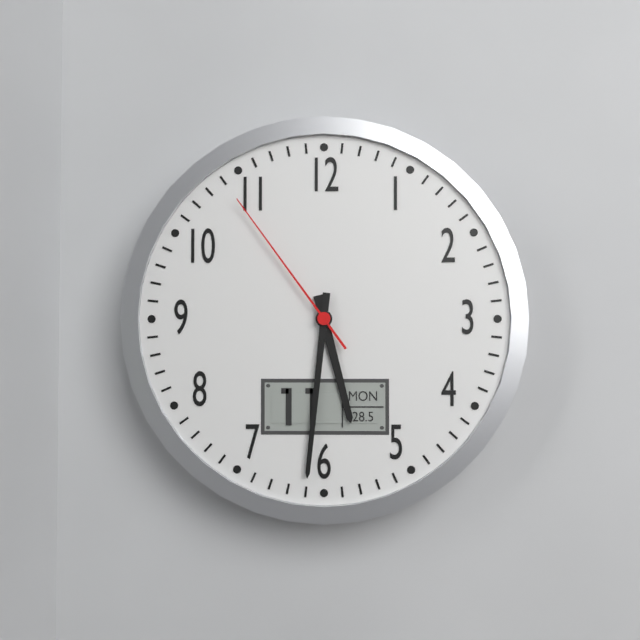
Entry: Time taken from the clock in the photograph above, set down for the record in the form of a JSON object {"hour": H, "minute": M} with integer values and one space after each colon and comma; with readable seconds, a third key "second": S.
{"hour": 5, "minute": 31, "second": 54}
